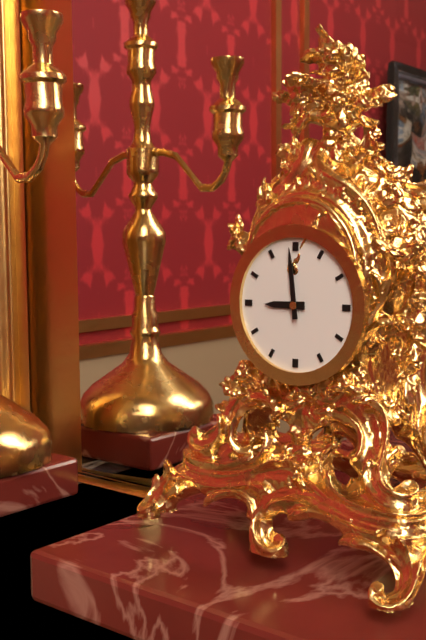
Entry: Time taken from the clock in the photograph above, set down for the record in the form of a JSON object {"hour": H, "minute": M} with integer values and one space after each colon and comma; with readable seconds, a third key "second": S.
{"hour": 8, "minute": 59}
